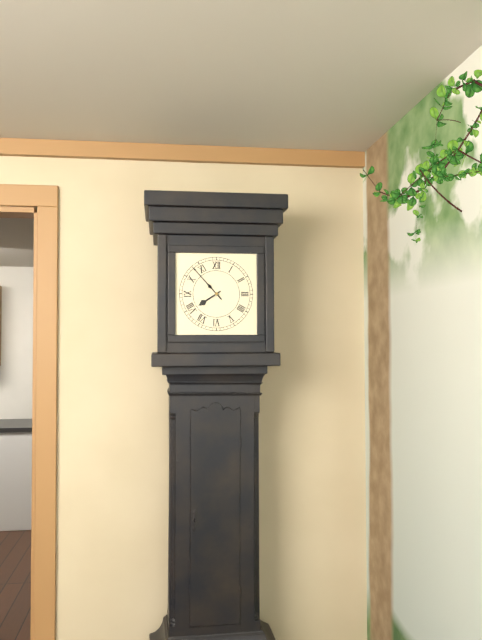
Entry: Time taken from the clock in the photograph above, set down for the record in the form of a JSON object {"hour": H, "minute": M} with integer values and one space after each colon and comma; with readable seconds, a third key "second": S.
{"hour": 7, "minute": 53}
